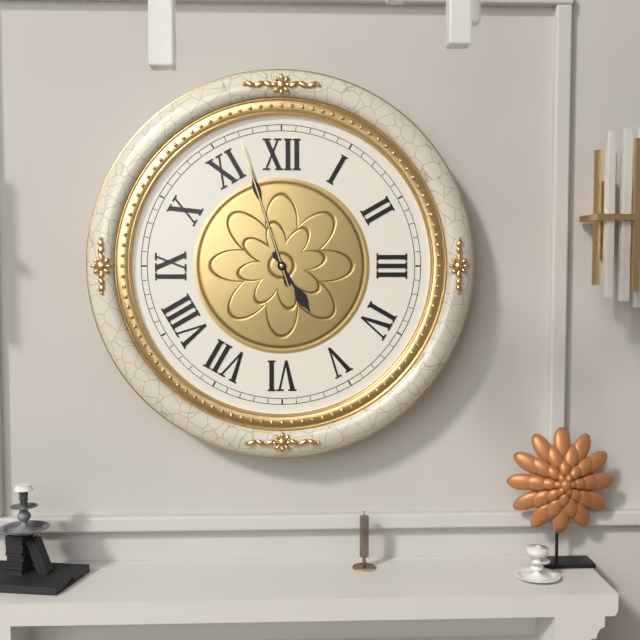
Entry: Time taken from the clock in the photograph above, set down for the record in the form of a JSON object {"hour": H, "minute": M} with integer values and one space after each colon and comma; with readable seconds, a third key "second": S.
{"hour": 4, "minute": 57, "second": 57}
